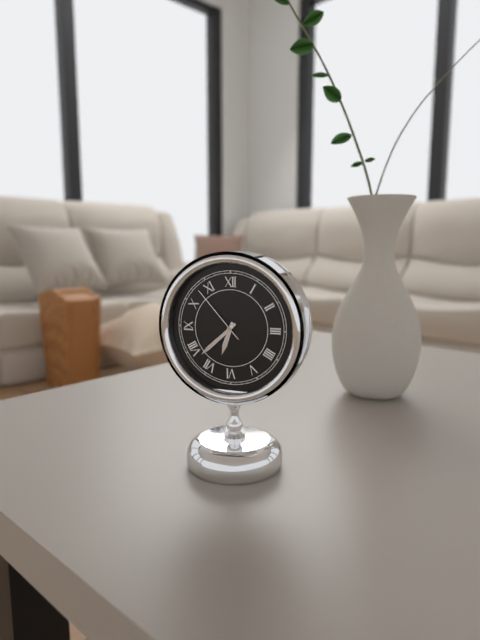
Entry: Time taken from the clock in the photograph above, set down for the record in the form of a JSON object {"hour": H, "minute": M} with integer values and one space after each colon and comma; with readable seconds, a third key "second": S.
{"hour": 6, "minute": 38, "second": 53}
